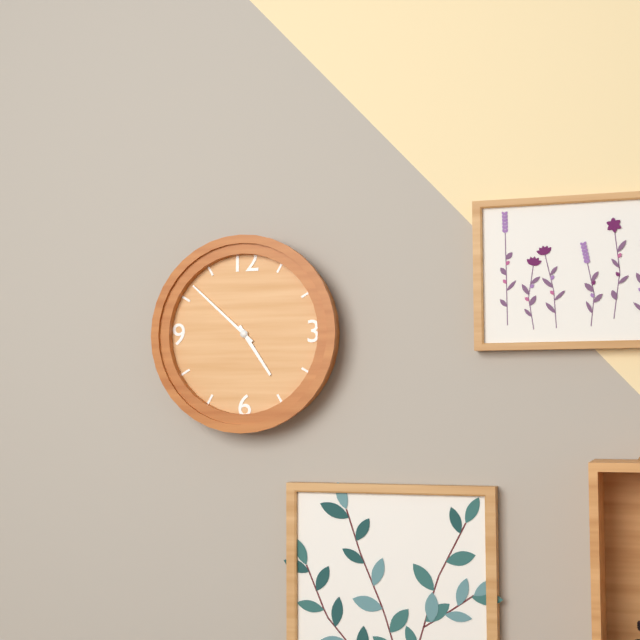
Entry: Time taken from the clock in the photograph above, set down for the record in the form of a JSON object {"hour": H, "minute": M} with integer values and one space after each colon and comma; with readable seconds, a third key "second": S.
{"hour": 4, "minute": 52}
